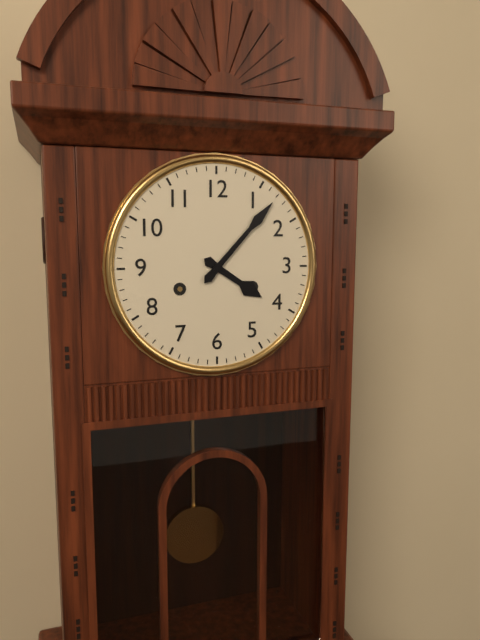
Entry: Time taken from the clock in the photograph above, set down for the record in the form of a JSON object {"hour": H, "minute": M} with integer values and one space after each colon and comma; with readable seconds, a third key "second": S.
{"hour": 4, "minute": 7}
